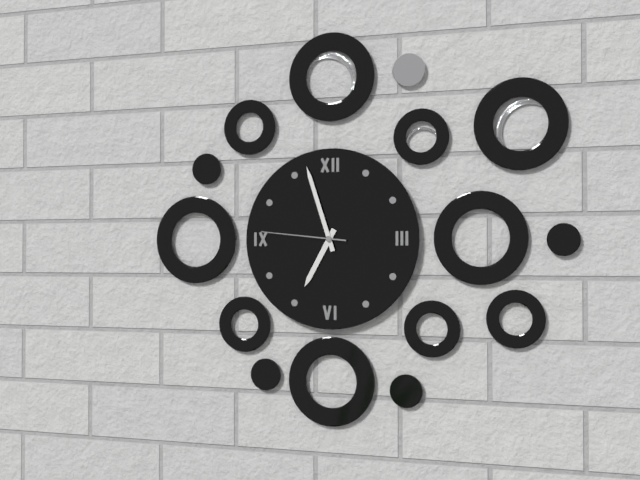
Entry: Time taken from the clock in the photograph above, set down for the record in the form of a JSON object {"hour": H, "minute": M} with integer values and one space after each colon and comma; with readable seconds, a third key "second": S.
{"hour": 6, "minute": 57, "second": 46}
